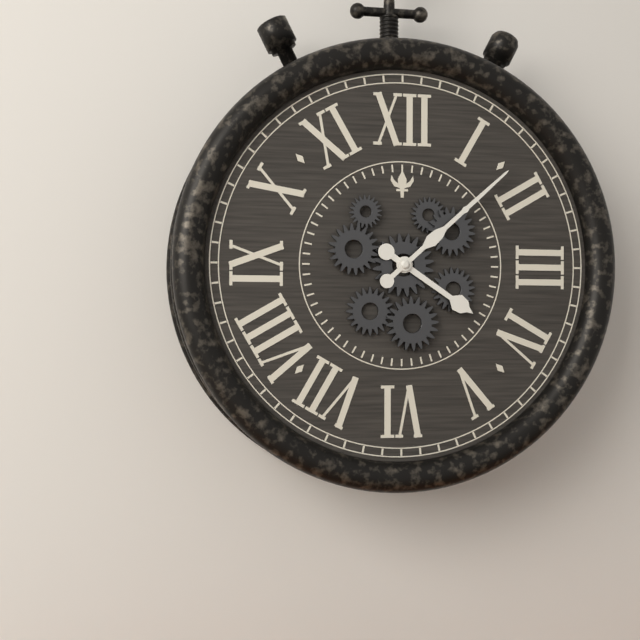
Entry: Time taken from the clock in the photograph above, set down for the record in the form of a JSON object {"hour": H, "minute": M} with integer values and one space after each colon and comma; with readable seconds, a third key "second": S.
{"hour": 4, "minute": 8}
